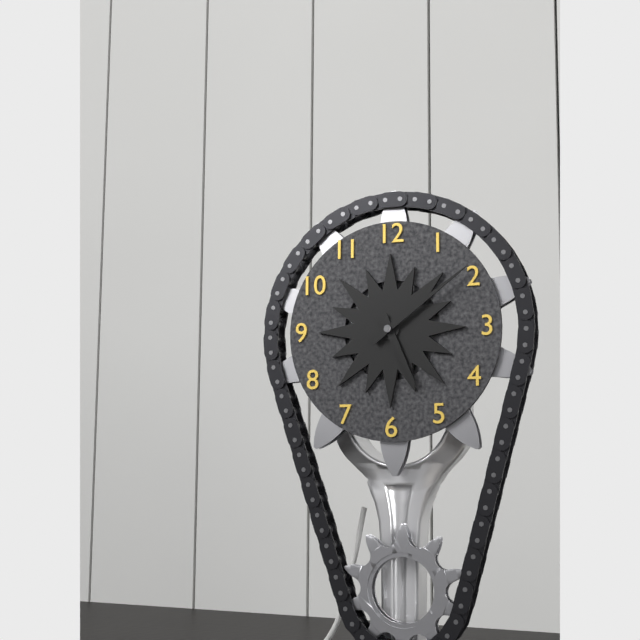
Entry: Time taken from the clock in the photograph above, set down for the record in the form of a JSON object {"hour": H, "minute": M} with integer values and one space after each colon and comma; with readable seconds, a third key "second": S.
{"hour": 5, "minute": 9}
